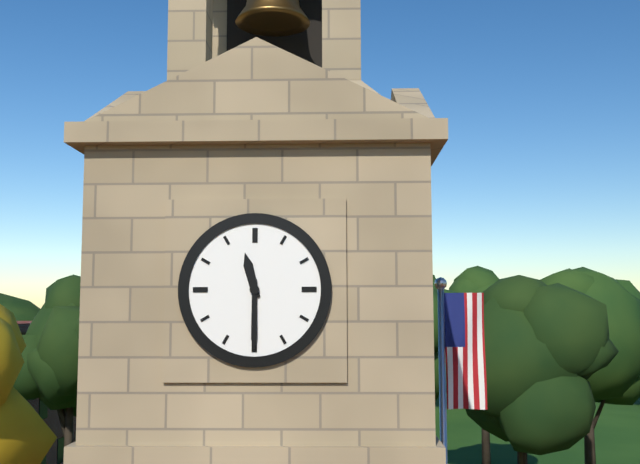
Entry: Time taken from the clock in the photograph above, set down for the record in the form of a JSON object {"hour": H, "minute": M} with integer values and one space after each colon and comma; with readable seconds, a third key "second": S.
{"hour": 11, "minute": 30}
